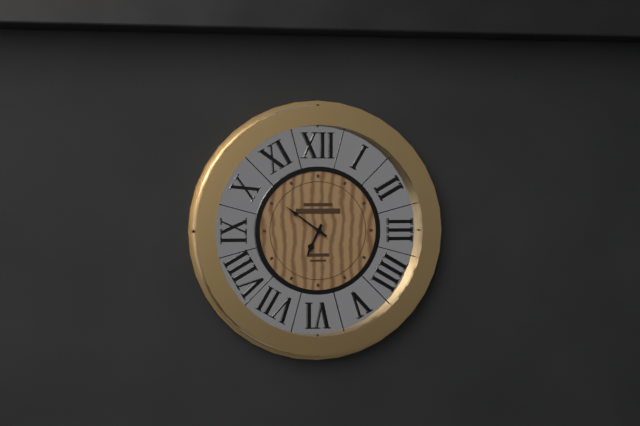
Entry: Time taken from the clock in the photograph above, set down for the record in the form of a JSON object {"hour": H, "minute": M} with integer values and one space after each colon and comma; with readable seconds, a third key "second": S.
{"hour": 6, "minute": 51}
